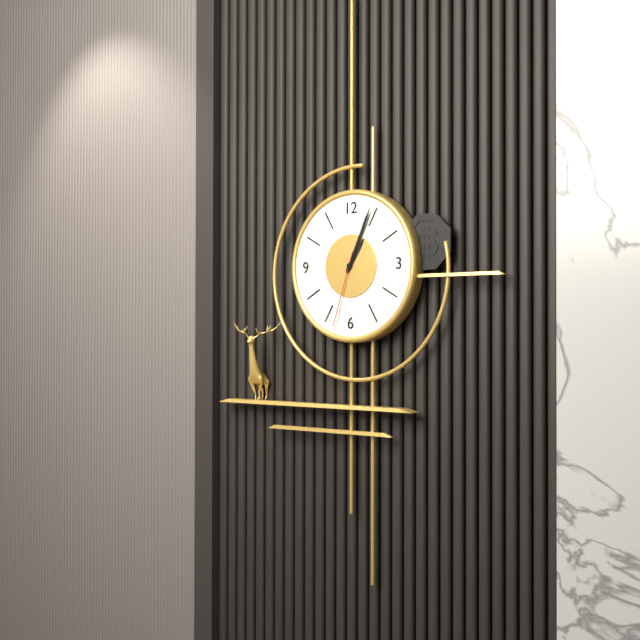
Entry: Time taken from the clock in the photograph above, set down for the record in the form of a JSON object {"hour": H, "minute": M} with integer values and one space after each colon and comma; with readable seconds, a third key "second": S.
{"hour": 1, "minute": 4, "second": 33}
